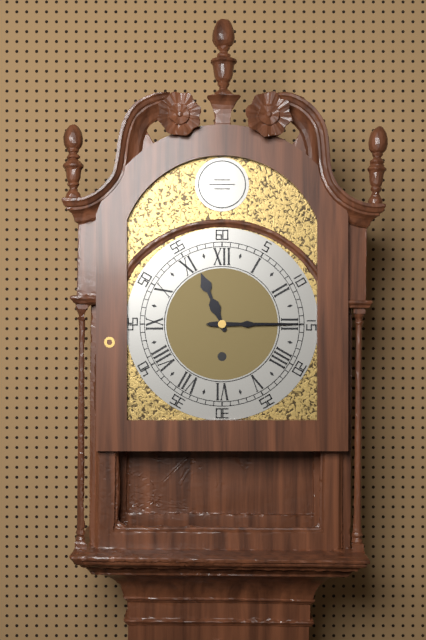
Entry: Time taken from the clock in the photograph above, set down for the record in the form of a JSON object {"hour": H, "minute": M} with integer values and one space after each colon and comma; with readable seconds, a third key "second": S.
{"hour": 11, "minute": 15}
